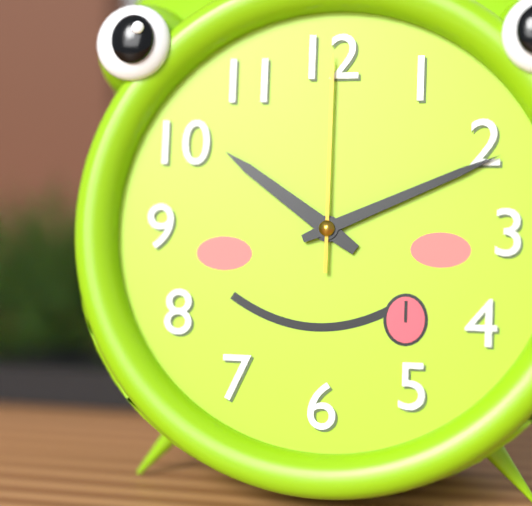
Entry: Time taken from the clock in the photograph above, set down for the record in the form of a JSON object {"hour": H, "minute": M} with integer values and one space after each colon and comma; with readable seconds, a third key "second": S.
{"hour": 10, "minute": 11, "second": 0}
